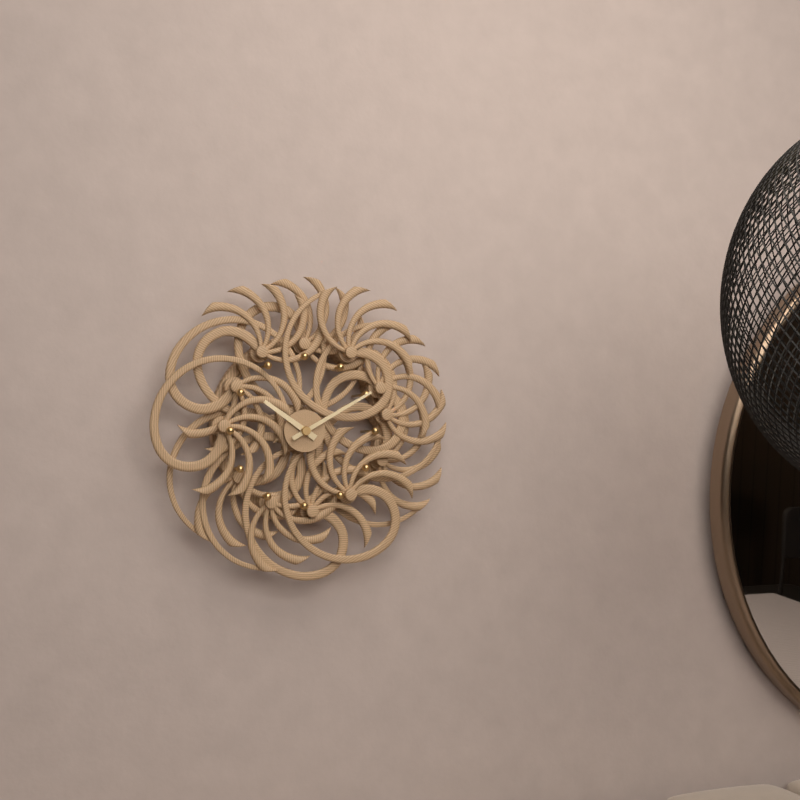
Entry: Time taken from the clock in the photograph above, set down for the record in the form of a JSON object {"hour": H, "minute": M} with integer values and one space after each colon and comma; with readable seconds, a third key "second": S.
{"hour": 10, "minute": 10}
